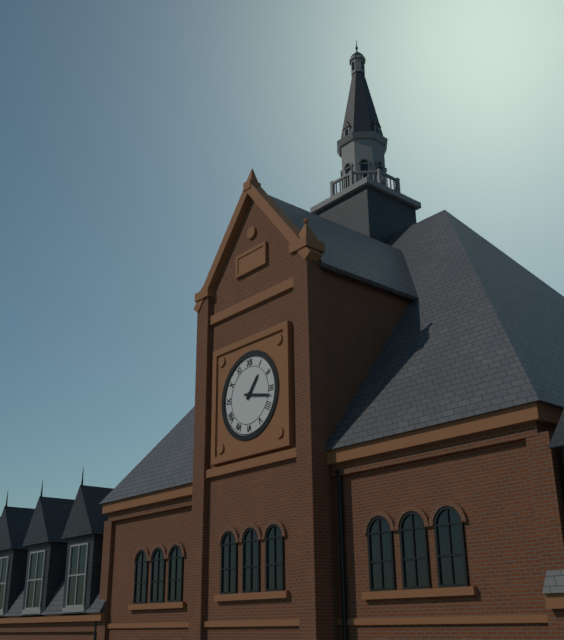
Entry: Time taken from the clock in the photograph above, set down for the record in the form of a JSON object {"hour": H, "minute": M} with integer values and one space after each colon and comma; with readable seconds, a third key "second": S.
{"hour": 1, "minute": 17}
